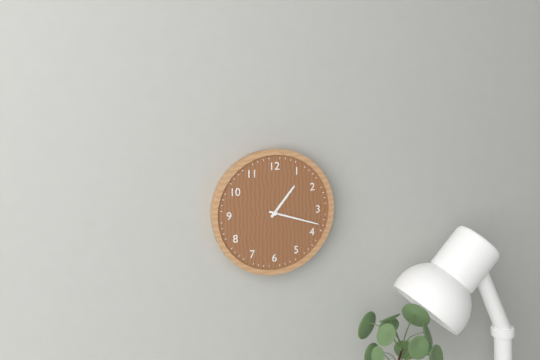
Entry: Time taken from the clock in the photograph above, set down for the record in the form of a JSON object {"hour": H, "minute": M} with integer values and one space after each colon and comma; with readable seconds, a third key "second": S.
{"hour": 1, "minute": 18}
